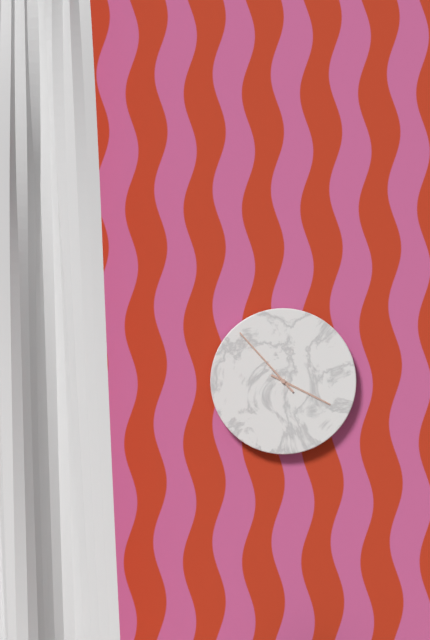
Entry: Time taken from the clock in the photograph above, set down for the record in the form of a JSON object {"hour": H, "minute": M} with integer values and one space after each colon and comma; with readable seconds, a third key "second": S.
{"hour": 3, "minute": 53}
